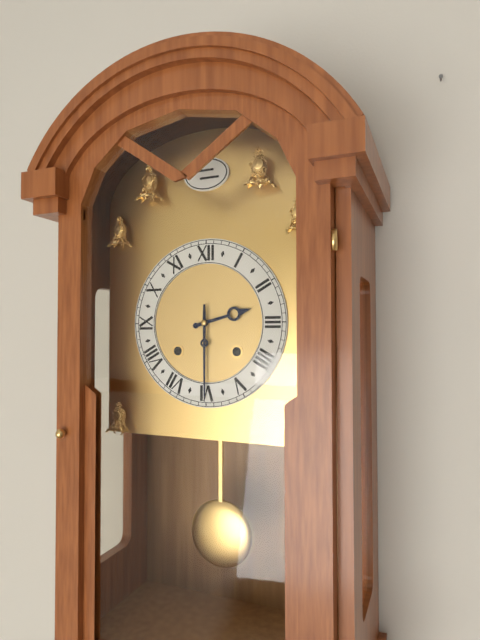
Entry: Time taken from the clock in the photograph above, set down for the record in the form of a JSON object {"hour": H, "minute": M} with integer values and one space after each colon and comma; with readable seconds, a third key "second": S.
{"hour": 2, "minute": 30}
